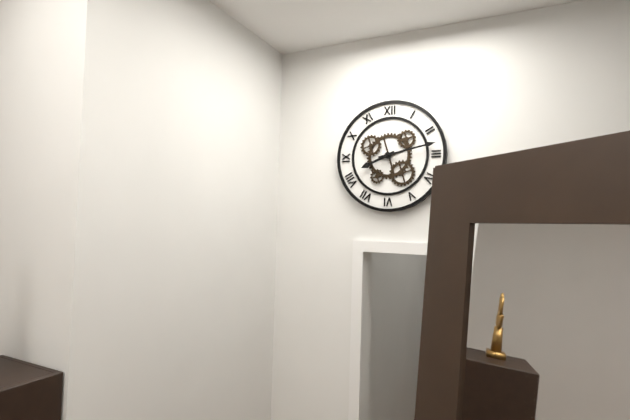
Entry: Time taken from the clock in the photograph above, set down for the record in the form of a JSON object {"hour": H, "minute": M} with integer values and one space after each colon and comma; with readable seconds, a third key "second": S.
{"hour": 8, "minute": 13}
